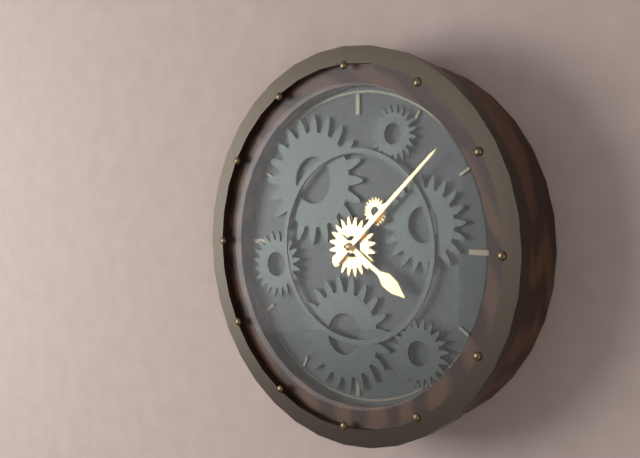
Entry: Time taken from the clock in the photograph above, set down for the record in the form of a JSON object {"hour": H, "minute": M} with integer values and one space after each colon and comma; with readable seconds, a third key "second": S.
{"hour": 4, "minute": 8}
